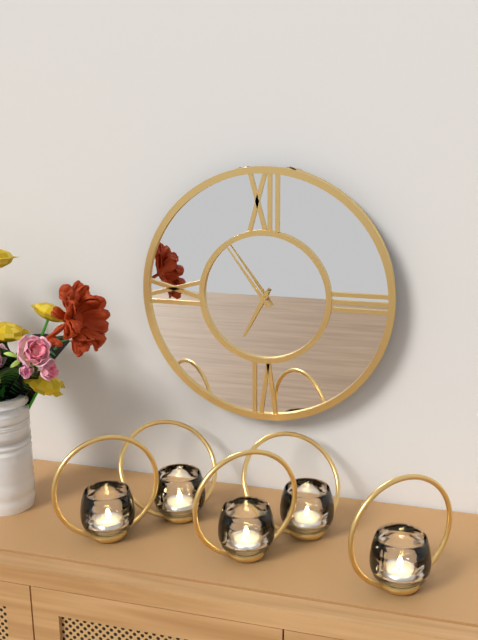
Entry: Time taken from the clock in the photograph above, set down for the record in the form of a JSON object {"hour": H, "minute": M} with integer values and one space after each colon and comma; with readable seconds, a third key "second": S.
{"hour": 6, "minute": 54}
